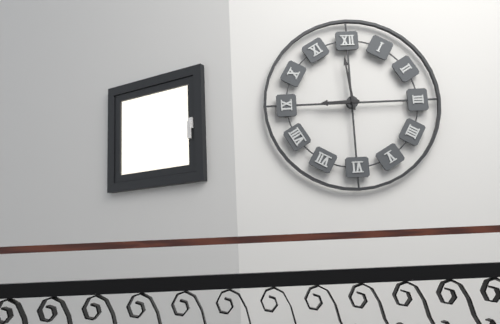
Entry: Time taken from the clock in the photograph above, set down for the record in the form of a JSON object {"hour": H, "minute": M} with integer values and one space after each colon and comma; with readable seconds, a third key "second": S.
{"hour": 8, "minute": 59}
